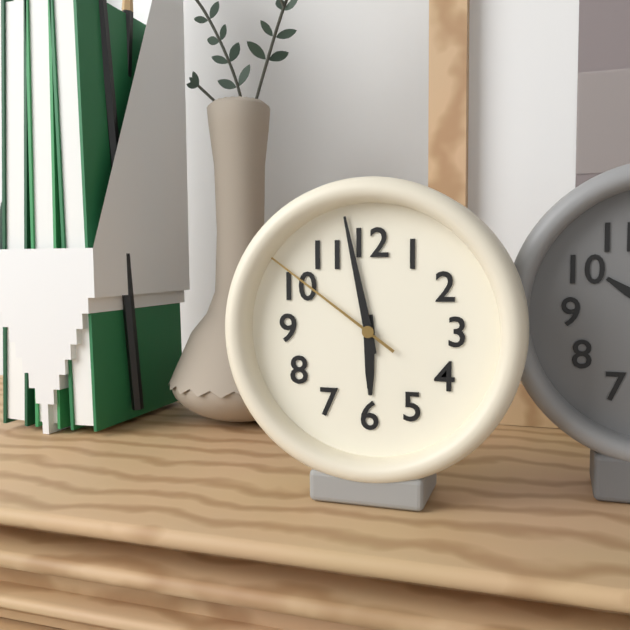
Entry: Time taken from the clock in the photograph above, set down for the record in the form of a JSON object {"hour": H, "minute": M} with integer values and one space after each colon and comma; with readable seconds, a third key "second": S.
{"hour": 5, "minute": 58, "second": 51}
